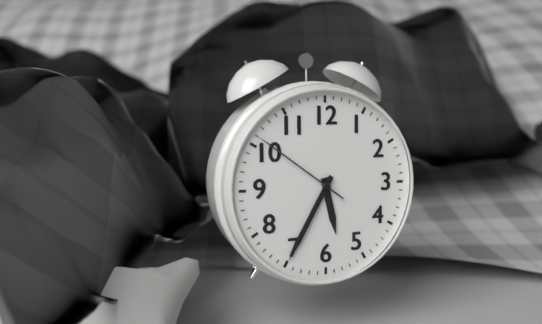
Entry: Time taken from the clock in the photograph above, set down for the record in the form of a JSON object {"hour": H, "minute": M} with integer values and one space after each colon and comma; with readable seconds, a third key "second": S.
{"hour": 5, "minute": 35, "second": 51}
